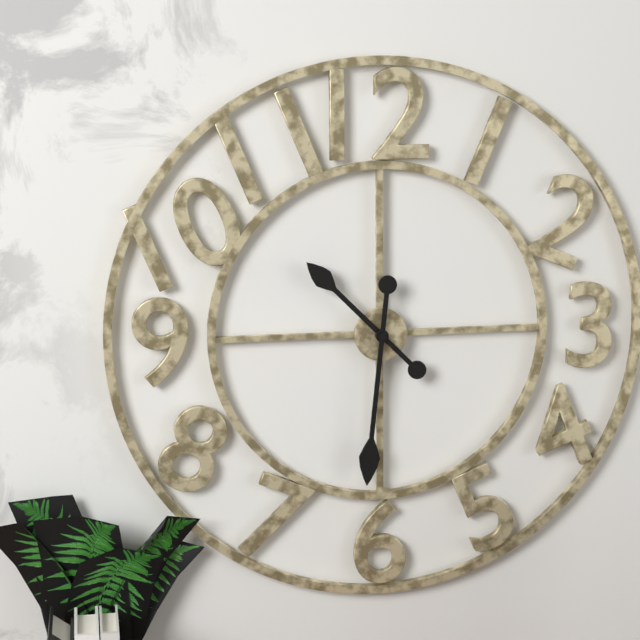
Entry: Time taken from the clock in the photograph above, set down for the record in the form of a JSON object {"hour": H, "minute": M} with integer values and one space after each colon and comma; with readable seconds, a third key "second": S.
{"hour": 10, "minute": 31}
